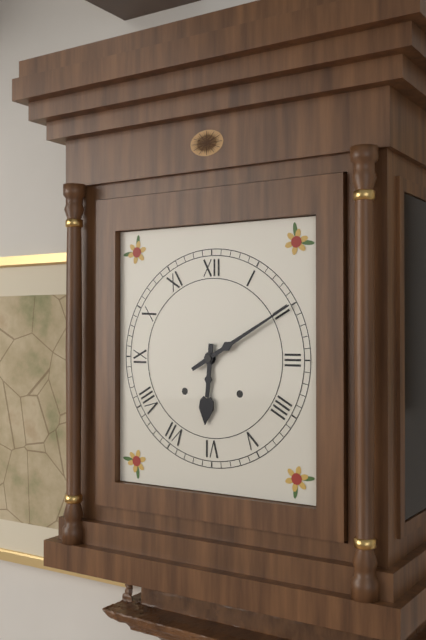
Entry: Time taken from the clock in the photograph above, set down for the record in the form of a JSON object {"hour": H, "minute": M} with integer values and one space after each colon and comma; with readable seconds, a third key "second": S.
{"hour": 6, "minute": 10}
